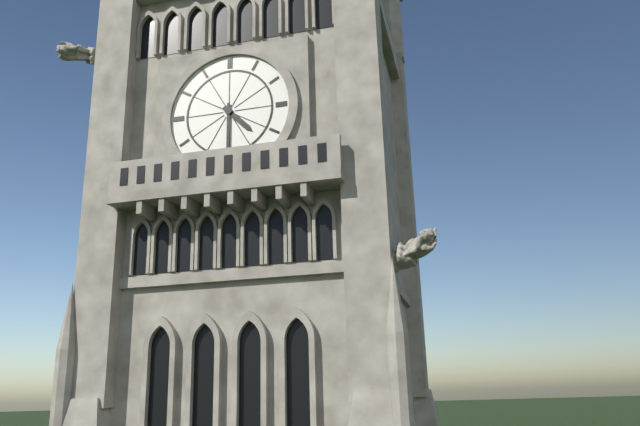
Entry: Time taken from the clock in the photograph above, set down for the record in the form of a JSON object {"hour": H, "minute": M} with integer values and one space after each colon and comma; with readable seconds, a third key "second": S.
{"hour": 4, "minute": 30}
